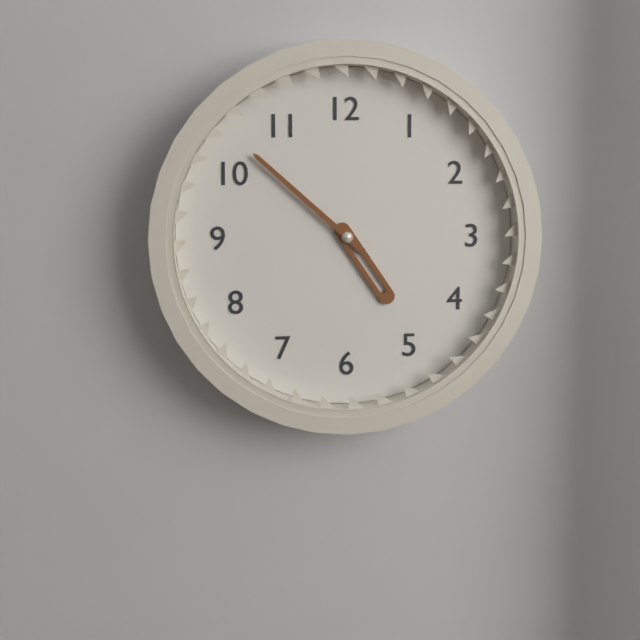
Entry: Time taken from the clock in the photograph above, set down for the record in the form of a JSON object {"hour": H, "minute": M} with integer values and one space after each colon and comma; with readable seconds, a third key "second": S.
{"hour": 4, "minute": 52}
